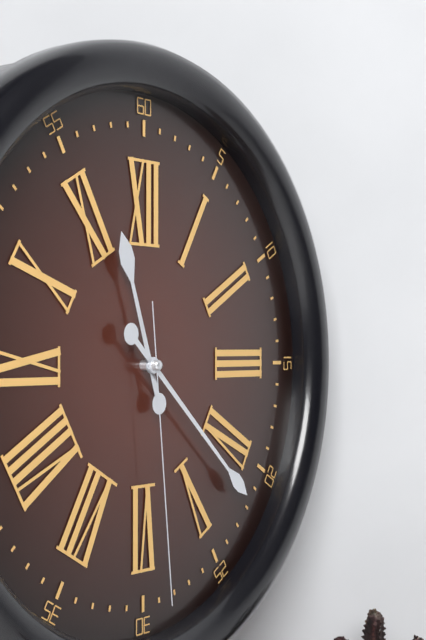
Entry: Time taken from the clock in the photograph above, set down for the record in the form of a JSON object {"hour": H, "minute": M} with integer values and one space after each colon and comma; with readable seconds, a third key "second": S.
{"hour": 11, "minute": 22, "second": 29}
